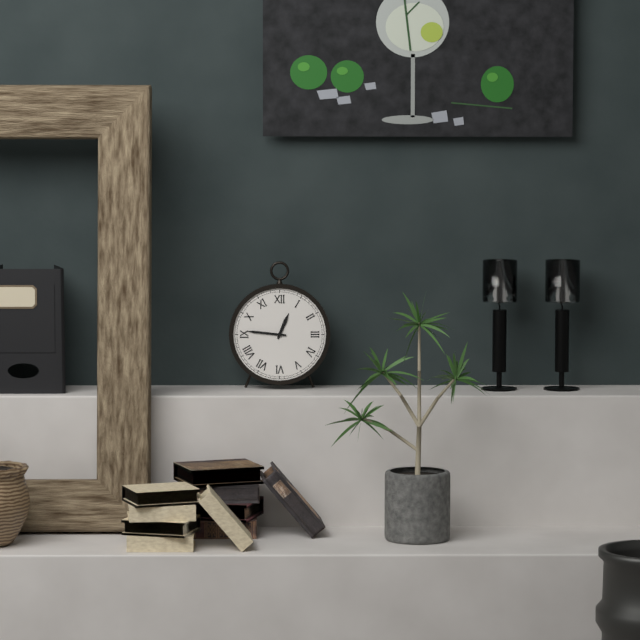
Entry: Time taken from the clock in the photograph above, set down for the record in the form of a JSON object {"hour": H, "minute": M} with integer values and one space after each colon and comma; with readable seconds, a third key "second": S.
{"hour": 12, "minute": 46}
